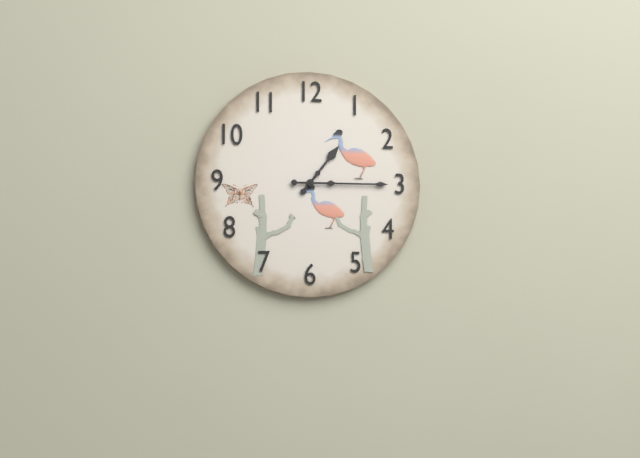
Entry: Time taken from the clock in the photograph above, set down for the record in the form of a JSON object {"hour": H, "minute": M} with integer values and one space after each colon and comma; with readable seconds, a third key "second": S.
{"hour": 1, "minute": 15}
